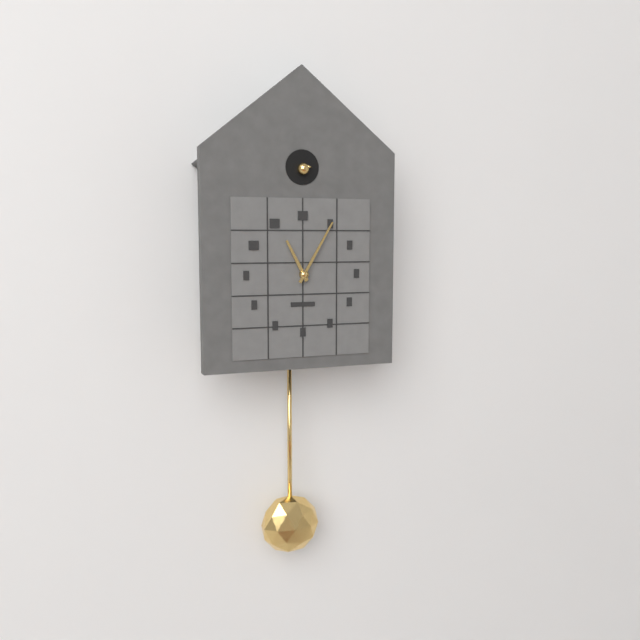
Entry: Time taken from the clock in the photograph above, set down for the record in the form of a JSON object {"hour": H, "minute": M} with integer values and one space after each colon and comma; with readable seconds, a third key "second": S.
{"hour": 11, "minute": 5}
